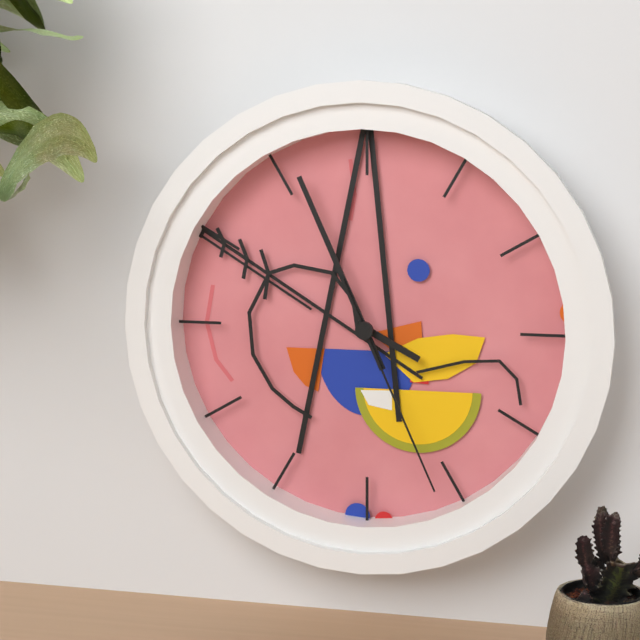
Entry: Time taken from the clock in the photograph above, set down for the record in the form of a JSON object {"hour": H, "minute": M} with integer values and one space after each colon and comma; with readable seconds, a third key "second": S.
{"hour": 3, "minute": 56, "second": 26}
